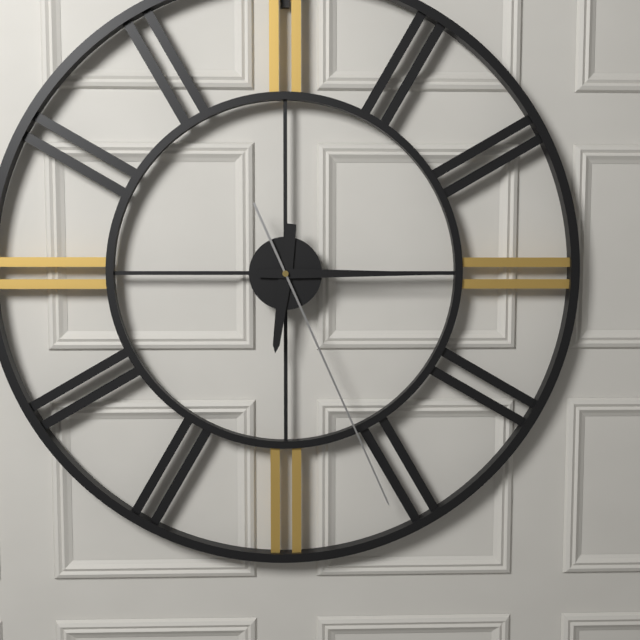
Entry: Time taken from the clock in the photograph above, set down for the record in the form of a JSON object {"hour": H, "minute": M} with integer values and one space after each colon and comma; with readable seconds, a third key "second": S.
{"hour": 6, "minute": 15, "second": 26}
